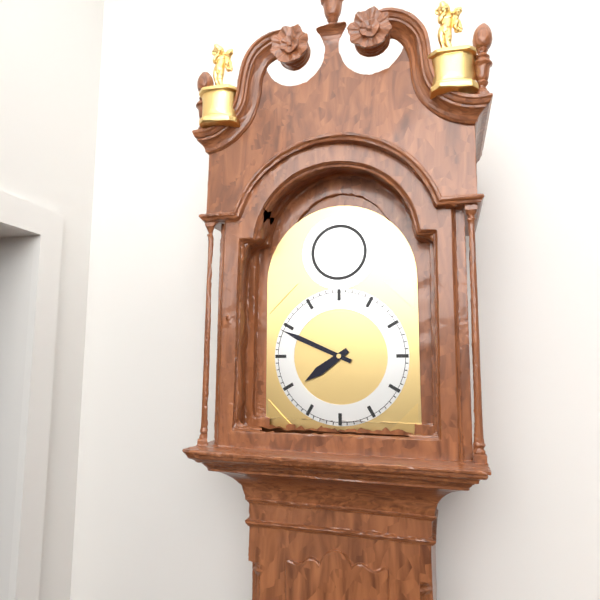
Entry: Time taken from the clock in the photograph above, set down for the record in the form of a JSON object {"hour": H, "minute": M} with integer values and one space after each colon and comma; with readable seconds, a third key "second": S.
{"hour": 7, "minute": 49}
